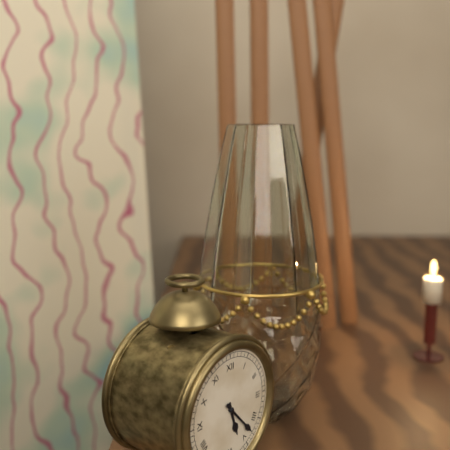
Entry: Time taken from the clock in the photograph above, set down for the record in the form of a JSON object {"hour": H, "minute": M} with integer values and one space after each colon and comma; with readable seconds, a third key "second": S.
{"hour": 5, "minute": 23}
